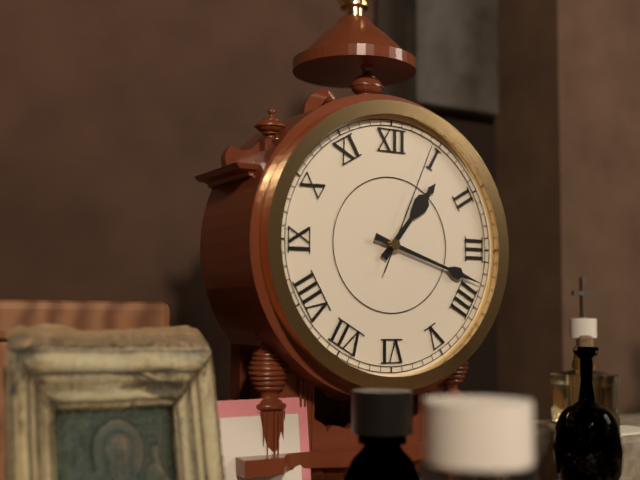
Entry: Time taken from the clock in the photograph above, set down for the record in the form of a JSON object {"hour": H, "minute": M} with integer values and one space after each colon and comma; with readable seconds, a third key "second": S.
{"hour": 1, "minute": 18, "second": 4}
